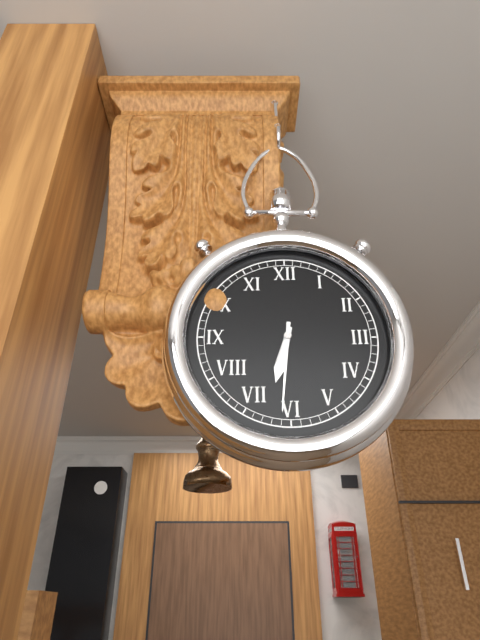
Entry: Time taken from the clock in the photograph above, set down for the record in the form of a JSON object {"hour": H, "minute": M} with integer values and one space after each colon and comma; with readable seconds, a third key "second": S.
{"hour": 6, "minute": 31}
